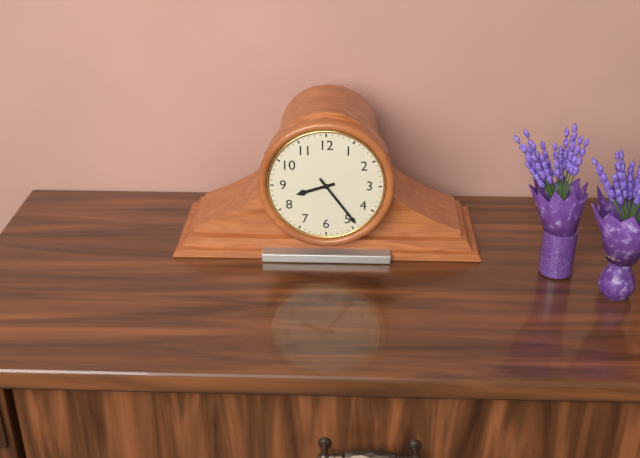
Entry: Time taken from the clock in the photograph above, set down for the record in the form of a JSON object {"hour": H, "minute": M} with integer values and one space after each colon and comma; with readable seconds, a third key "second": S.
{"hour": 8, "minute": 24}
